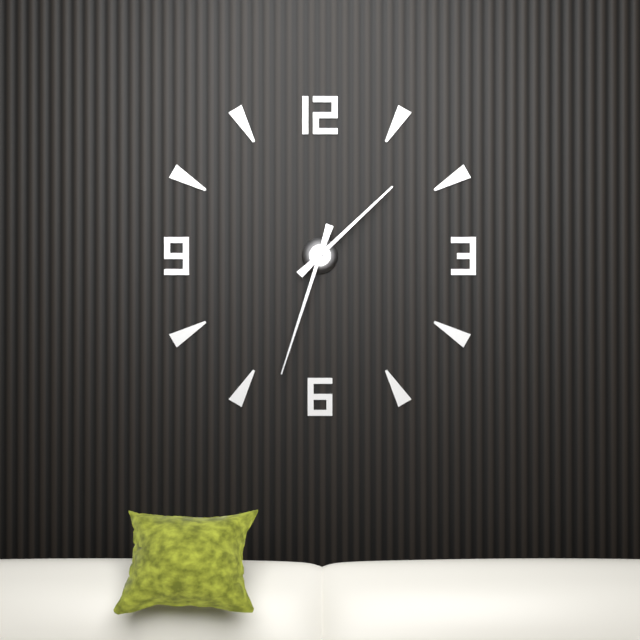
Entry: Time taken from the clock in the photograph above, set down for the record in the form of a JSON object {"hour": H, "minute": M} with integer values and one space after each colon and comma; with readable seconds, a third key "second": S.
{"hour": 1, "minute": 33}
